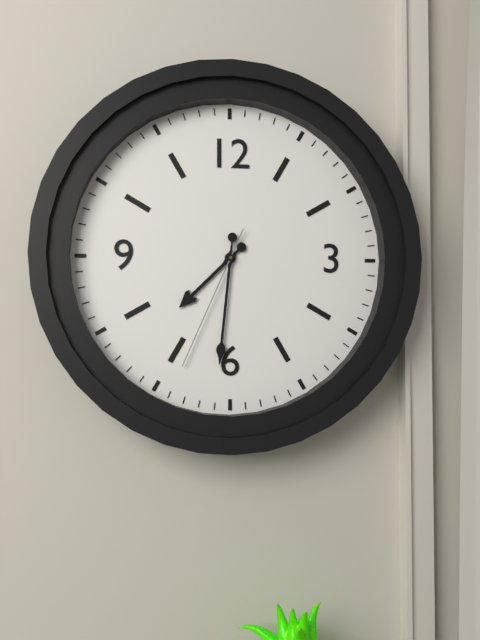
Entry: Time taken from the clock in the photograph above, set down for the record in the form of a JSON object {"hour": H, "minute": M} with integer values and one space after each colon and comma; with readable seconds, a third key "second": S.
{"hour": 7, "minute": 31, "second": 34}
